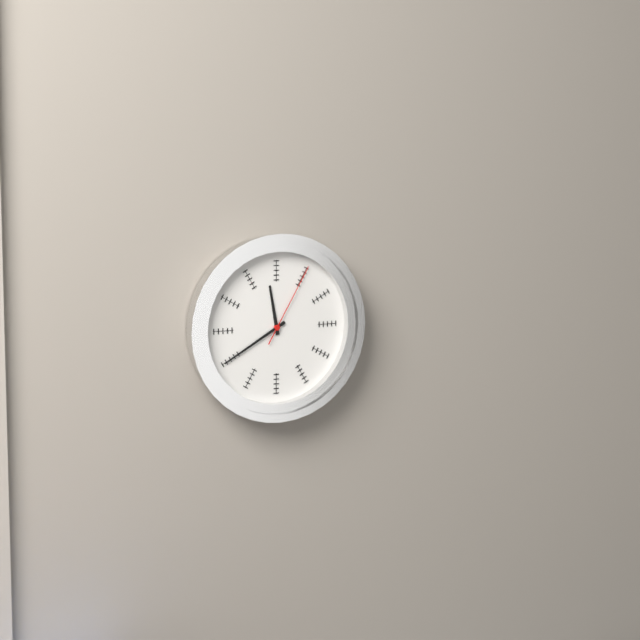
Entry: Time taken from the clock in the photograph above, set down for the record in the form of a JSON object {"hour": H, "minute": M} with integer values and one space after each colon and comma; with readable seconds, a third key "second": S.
{"hour": 11, "minute": 40, "second": 5}
